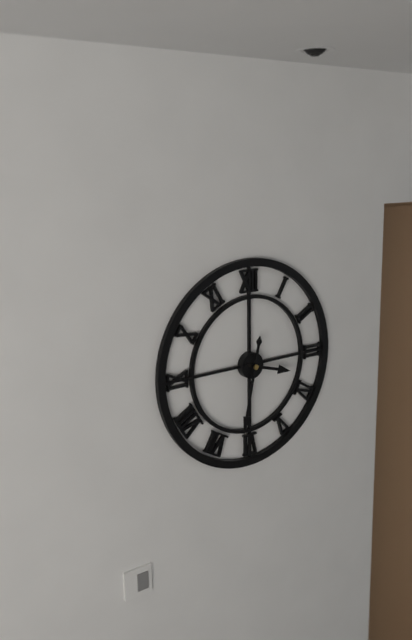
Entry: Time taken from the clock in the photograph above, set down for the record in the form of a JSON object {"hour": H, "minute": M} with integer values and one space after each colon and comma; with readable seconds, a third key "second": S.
{"hour": 3, "minute": 32}
